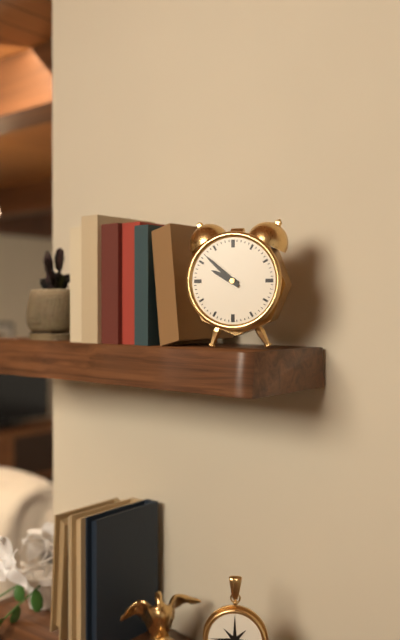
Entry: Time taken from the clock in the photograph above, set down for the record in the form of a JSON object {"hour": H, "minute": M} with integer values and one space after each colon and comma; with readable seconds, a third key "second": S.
{"hour": 9, "minute": 52}
